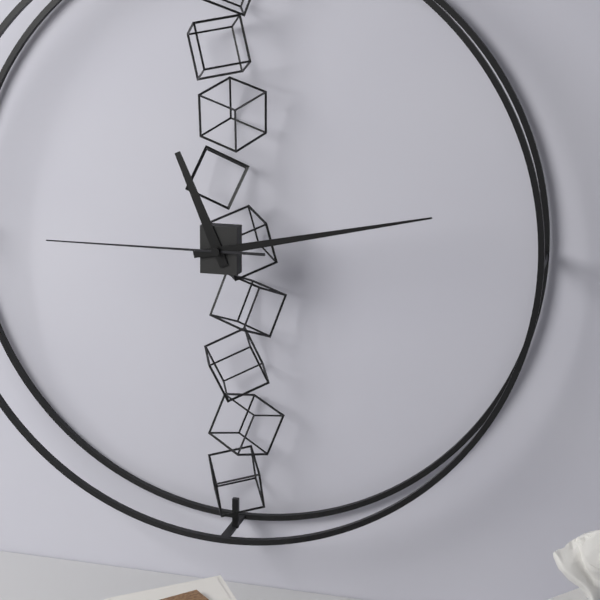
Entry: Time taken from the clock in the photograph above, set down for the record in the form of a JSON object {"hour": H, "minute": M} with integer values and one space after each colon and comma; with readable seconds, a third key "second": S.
{"hour": 11, "minute": 13, "second": 45}
